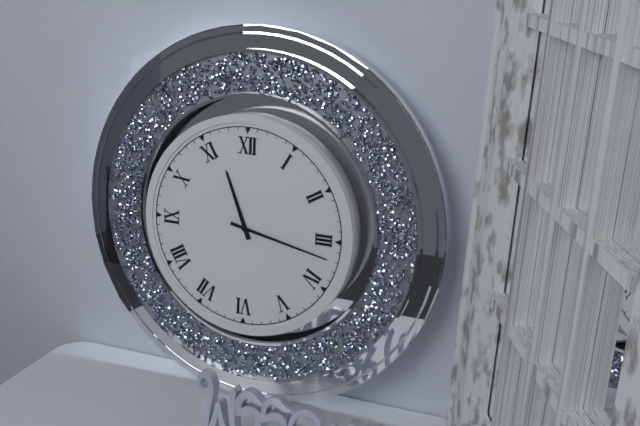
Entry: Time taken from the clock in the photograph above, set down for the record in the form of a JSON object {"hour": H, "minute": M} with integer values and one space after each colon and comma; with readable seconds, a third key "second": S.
{"hour": 11, "minute": 17}
